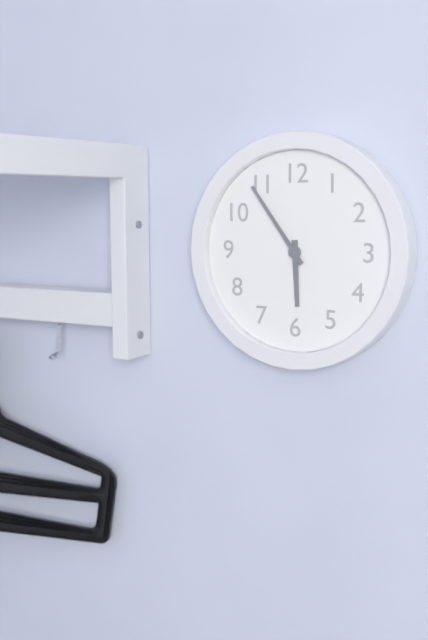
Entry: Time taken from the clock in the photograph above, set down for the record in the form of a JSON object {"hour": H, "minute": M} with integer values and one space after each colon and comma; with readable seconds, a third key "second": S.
{"hour": 5, "minute": 54}
